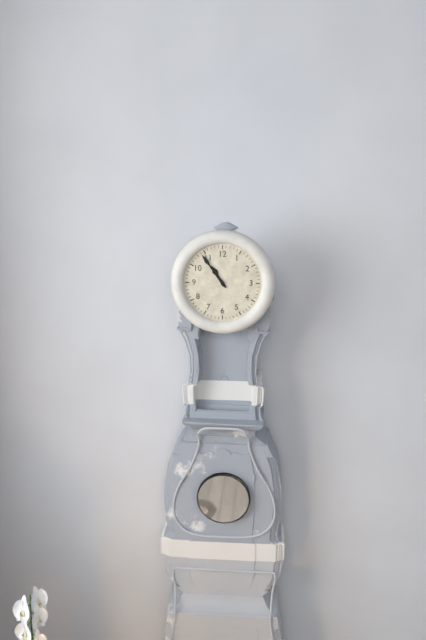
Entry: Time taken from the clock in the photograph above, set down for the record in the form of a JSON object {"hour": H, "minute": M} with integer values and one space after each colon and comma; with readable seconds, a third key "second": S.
{"hour": 10, "minute": 54}
